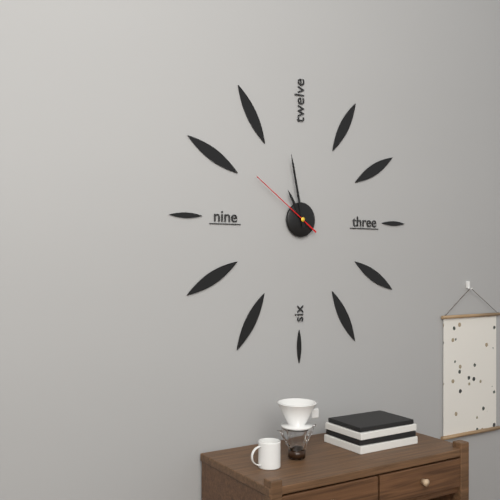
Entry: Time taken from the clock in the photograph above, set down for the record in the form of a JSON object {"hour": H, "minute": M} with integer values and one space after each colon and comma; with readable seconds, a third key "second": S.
{"hour": 10, "minute": 58, "second": 51}
